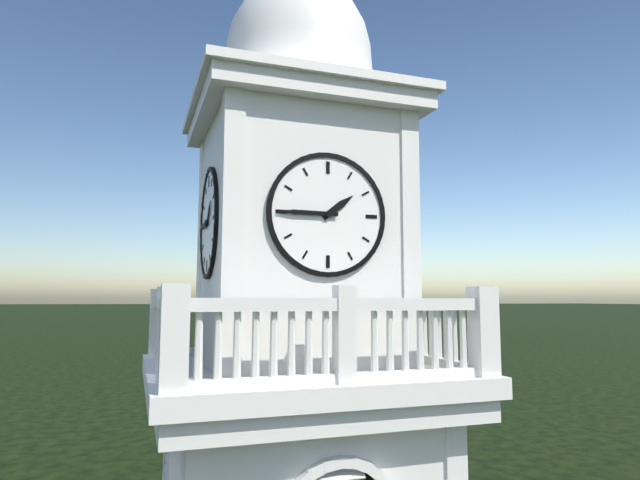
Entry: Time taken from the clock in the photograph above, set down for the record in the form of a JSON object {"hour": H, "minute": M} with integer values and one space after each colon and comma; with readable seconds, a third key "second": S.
{"hour": 1, "minute": 45}
